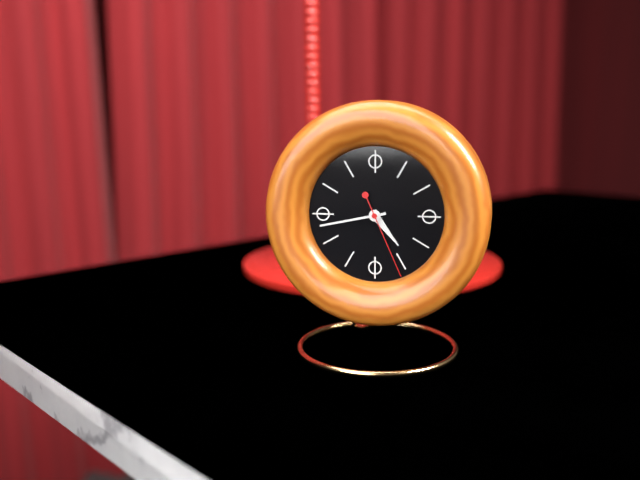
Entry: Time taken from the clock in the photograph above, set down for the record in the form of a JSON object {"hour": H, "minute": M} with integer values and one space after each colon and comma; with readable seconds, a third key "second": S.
{"hour": 4, "minute": 43, "second": 26}
